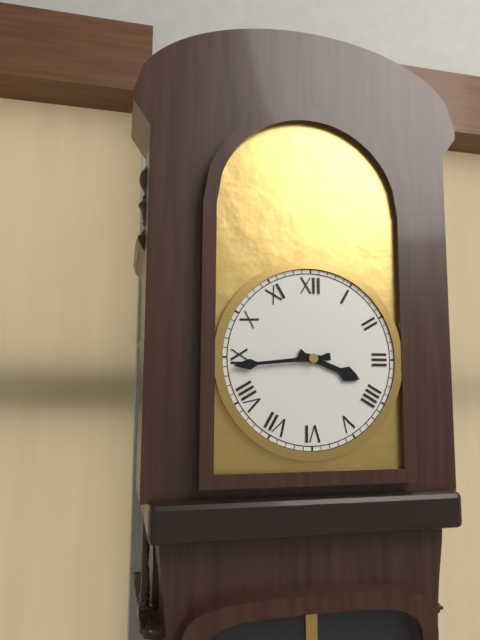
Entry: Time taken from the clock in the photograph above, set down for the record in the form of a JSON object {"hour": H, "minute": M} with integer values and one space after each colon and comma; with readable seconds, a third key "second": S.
{"hour": 3, "minute": 44}
